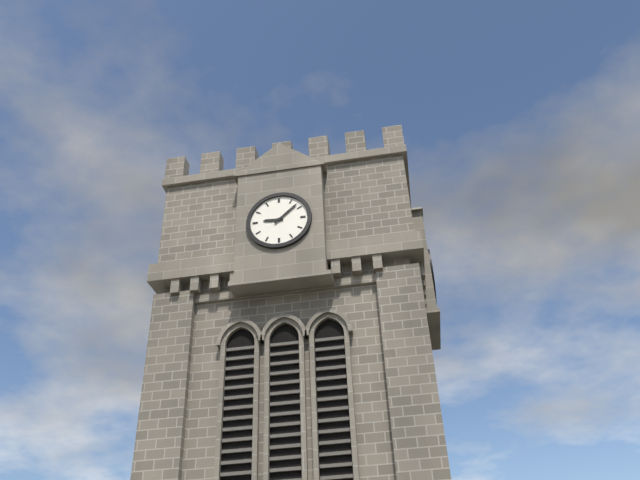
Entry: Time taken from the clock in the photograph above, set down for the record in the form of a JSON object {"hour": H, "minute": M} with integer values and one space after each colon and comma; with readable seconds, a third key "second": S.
{"hour": 9, "minute": 8}
